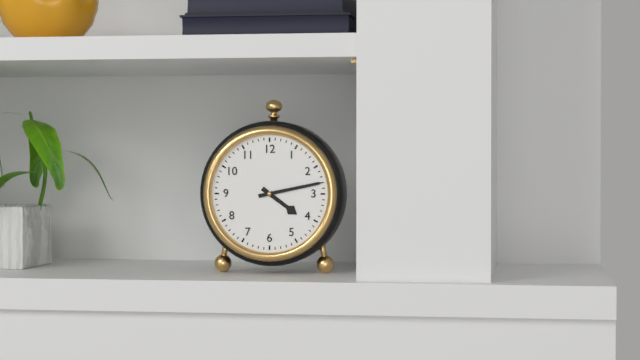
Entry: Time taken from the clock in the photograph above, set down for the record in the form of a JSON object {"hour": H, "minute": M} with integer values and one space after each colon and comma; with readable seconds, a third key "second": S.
{"hour": 4, "minute": 13}
